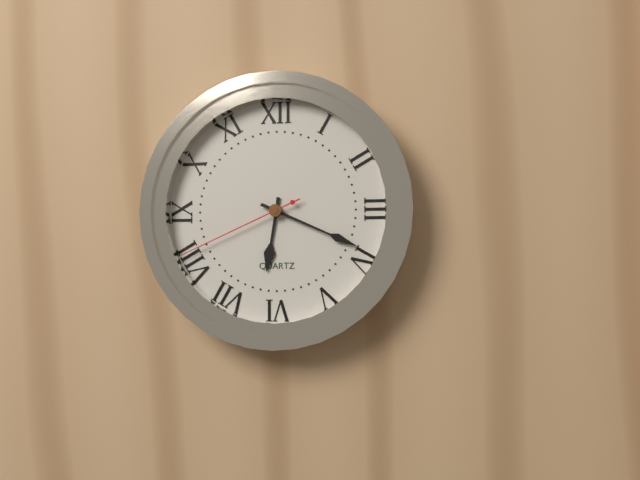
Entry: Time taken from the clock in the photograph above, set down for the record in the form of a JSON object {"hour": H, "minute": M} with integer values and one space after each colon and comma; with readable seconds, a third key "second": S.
{"hour": 6, "minute": 19, "second": 41}
